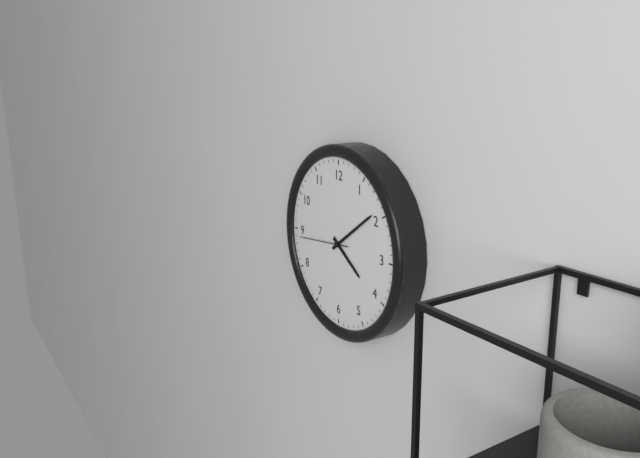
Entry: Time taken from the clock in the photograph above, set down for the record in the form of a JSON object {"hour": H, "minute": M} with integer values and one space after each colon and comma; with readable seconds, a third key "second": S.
{"hour": 4, "minute": 9, "second": 44}
